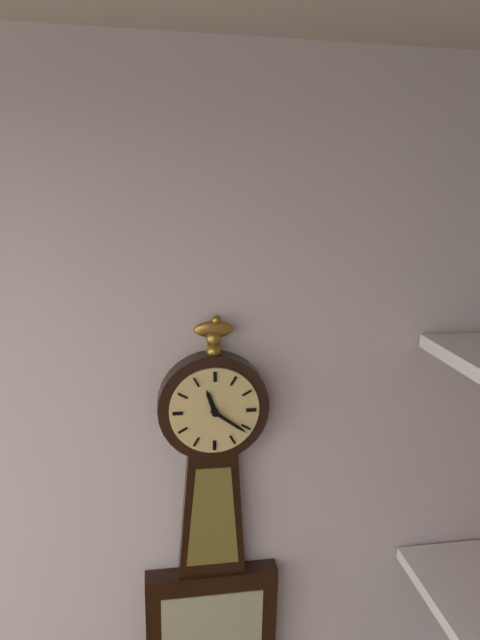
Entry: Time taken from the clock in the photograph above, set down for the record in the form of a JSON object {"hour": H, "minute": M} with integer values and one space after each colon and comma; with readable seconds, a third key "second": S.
{"hour": 11, "minute": 21}
